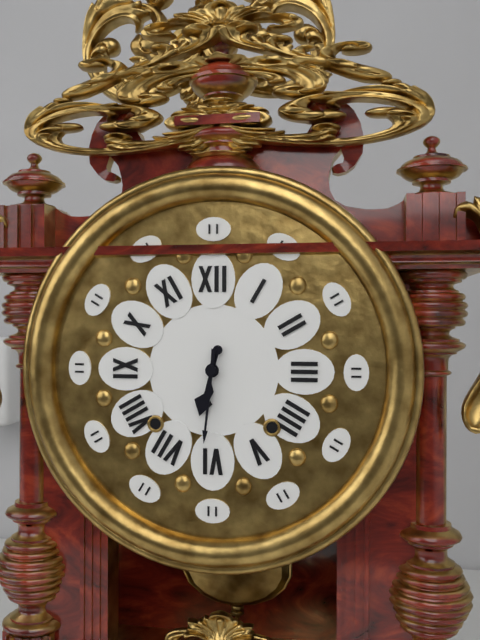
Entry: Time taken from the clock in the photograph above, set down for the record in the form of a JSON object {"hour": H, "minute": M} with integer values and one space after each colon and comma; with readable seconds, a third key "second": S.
{"hour": 6, "minute": 31}
